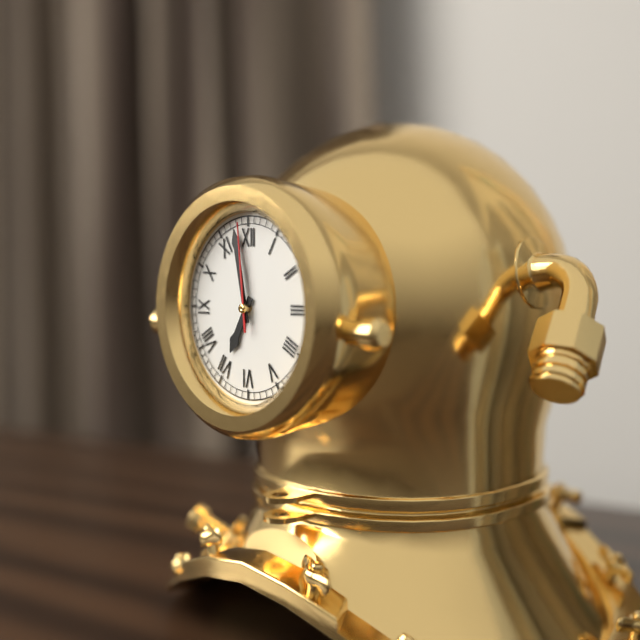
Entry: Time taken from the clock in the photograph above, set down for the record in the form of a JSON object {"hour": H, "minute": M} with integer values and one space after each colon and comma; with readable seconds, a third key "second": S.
{"hour": 6, "minute": 58, "second": 59}
